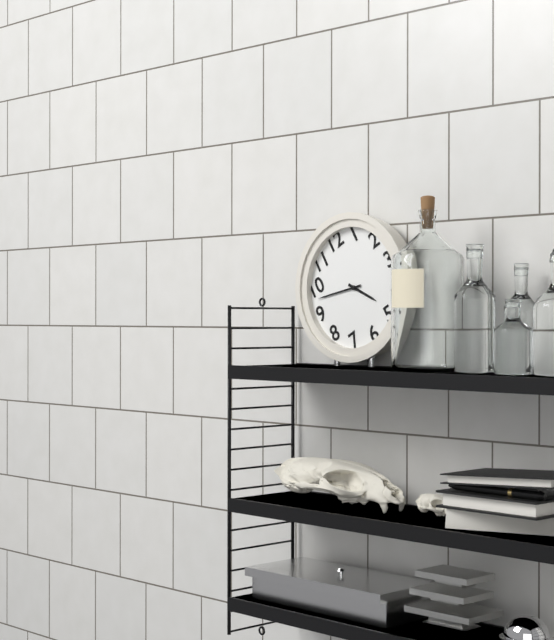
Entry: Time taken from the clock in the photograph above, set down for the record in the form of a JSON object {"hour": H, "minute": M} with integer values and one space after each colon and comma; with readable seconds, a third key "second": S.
{"hour": 4, "minute": 48}
